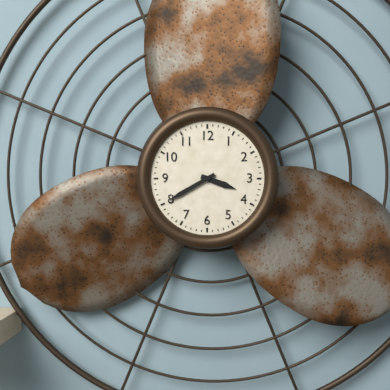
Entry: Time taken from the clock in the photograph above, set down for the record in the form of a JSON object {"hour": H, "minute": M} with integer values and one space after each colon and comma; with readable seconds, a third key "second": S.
{"hour": 3, "minute": 40}
